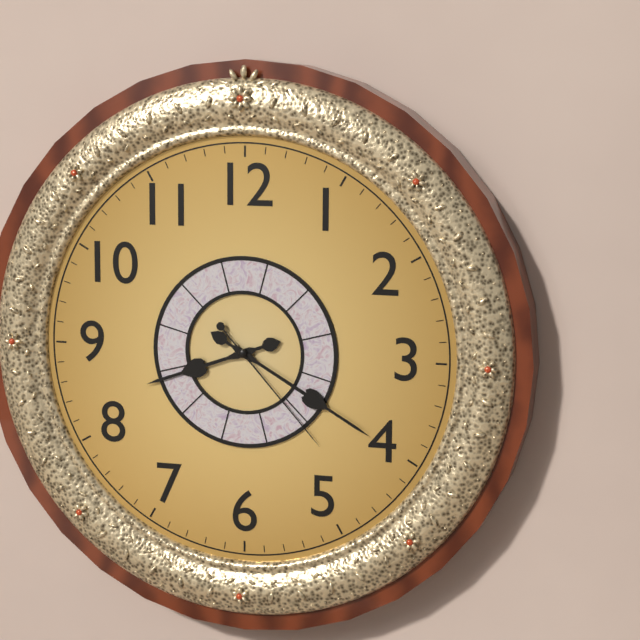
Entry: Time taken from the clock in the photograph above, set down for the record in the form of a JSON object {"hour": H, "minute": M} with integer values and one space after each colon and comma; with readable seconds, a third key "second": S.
{"hour": 8, "minute": 20, "second": 23}
